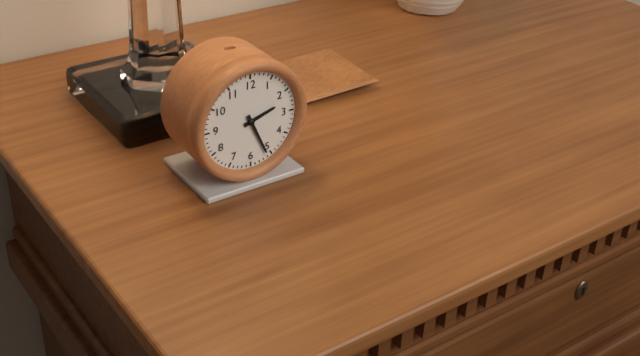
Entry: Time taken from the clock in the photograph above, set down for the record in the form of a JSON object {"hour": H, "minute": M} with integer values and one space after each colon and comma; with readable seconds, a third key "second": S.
{"hour": 2, "minute": 26}
